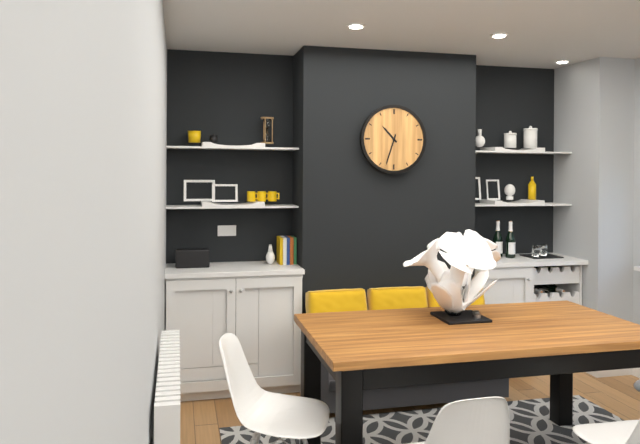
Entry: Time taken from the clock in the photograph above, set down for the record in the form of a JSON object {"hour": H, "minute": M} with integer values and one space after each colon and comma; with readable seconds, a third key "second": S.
{"hour": 10, "minute": 33}
